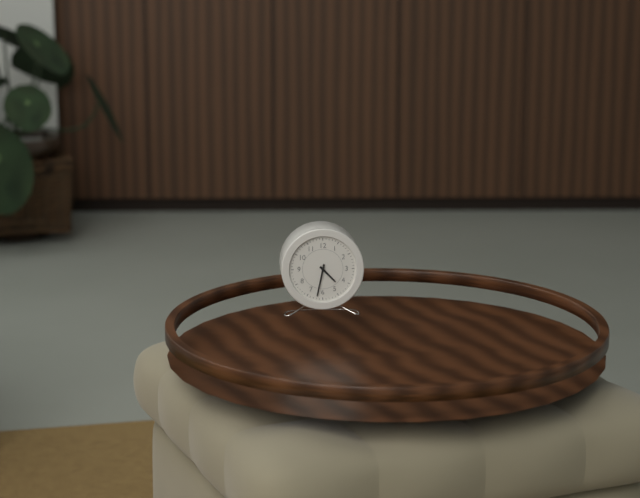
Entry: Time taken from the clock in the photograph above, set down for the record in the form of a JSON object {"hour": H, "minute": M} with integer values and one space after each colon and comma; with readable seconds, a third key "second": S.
{"hour": 4, "minute": 32}
